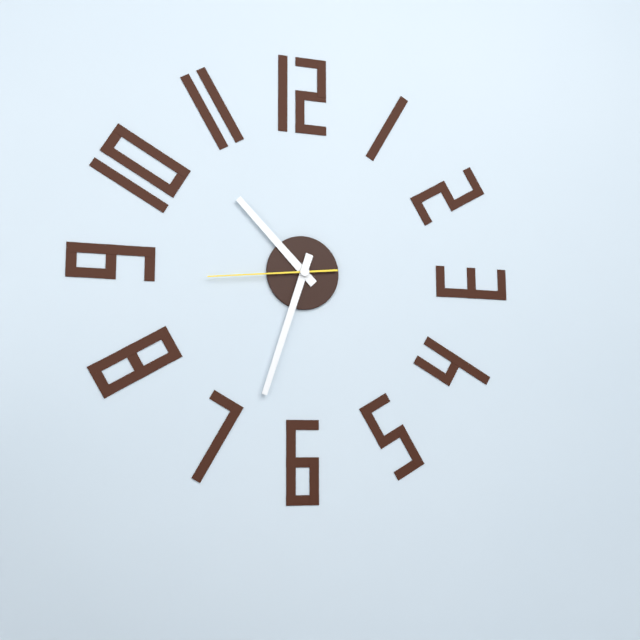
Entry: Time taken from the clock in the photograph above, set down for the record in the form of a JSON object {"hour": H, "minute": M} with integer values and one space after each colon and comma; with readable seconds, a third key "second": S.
{"hour": 10, "minute": 33, "second": 44}
